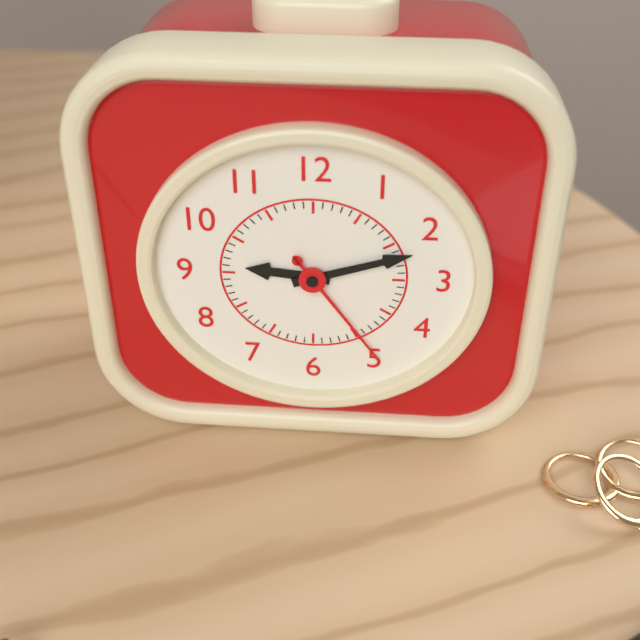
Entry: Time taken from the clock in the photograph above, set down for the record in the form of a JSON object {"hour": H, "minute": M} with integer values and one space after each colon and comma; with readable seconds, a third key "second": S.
{"hour": 9, "minute": 12, "second": 24}
